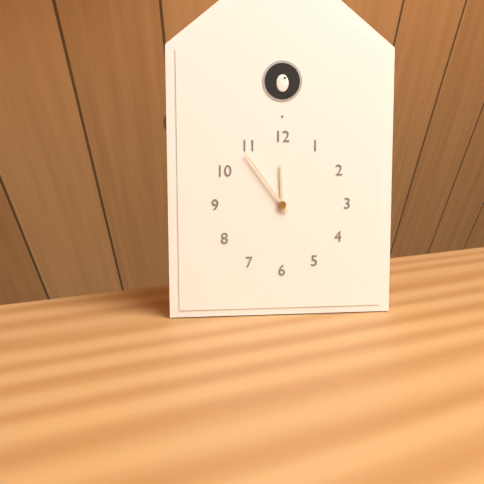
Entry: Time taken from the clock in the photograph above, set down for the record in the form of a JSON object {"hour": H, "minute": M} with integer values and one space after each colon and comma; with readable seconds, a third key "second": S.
{"hour": 11, "minute": 54}
